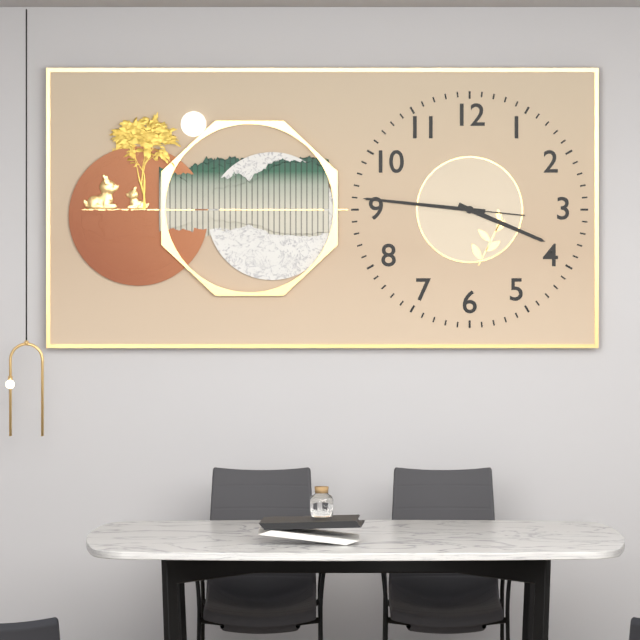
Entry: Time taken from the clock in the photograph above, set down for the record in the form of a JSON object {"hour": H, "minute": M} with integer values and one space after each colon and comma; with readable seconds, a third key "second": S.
{"hour": 3, "minute": 46, "second": 46}
